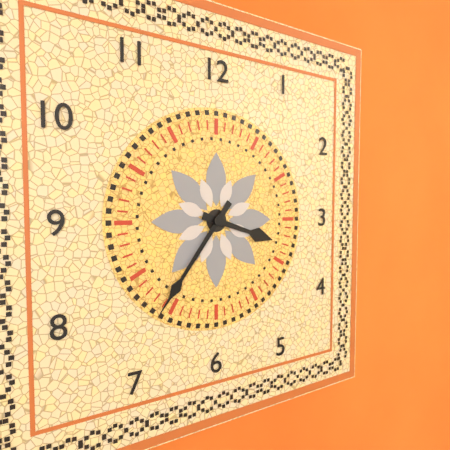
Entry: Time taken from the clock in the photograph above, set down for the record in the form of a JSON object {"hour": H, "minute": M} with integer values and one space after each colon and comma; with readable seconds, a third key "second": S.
{"hour": 3, "minute": 36}
